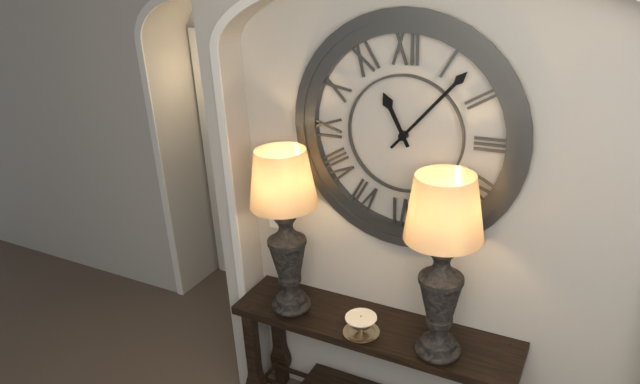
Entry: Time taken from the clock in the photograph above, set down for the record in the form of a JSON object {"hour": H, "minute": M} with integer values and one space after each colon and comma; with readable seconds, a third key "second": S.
{"hour": 11, "minute": 7}
